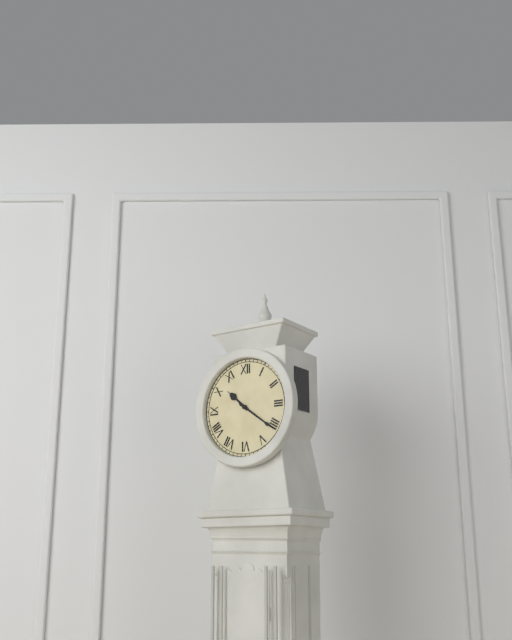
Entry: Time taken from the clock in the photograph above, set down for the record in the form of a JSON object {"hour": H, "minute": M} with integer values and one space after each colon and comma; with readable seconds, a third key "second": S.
{"hour": 10, "minute": 21}
